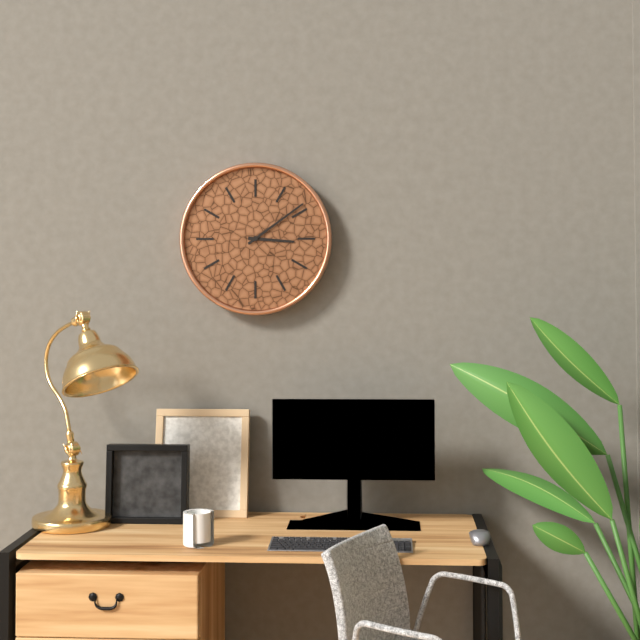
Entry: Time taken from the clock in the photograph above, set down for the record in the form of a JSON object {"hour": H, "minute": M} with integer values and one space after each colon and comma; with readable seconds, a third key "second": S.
{"hour": 3, "minute": 9}
